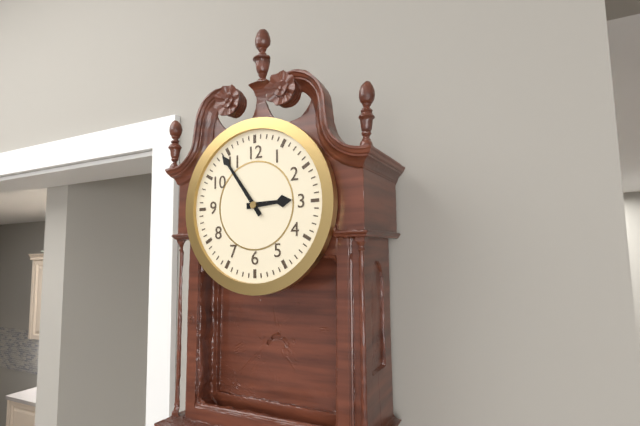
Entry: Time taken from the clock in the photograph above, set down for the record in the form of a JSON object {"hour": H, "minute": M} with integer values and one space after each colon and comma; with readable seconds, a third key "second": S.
{"hour": 2, "minute": 54}
